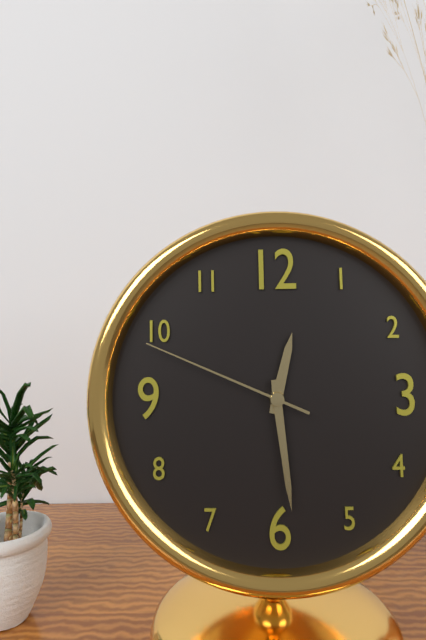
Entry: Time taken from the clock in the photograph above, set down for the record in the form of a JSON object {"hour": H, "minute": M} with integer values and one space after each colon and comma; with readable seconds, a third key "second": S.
{"hour": 12, "minute": 29, "second": 49}
